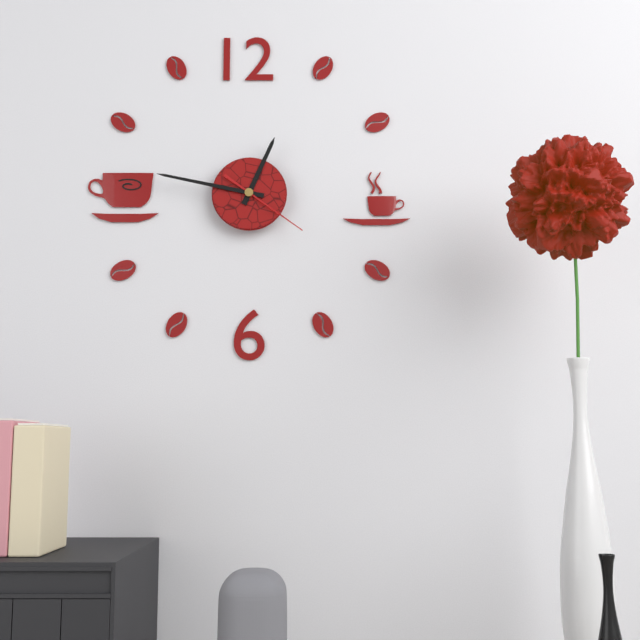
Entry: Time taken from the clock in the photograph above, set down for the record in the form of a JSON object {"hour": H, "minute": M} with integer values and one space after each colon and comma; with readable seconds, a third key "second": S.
{"hour": 12, "minute": 47, "second": 21}
